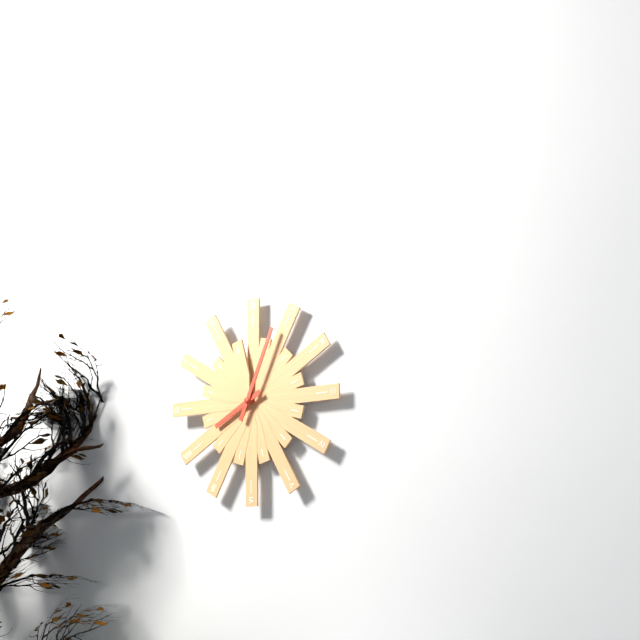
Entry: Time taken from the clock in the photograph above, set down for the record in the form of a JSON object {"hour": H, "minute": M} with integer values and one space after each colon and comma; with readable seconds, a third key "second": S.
{"hour": 8, "minute": 4}
